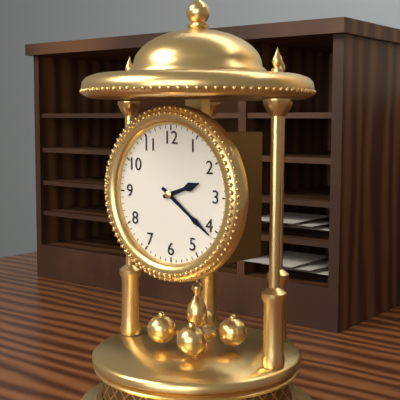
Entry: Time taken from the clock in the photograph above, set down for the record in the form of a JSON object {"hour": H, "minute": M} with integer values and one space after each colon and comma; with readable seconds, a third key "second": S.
{"hour": 2, "minute": 21}
